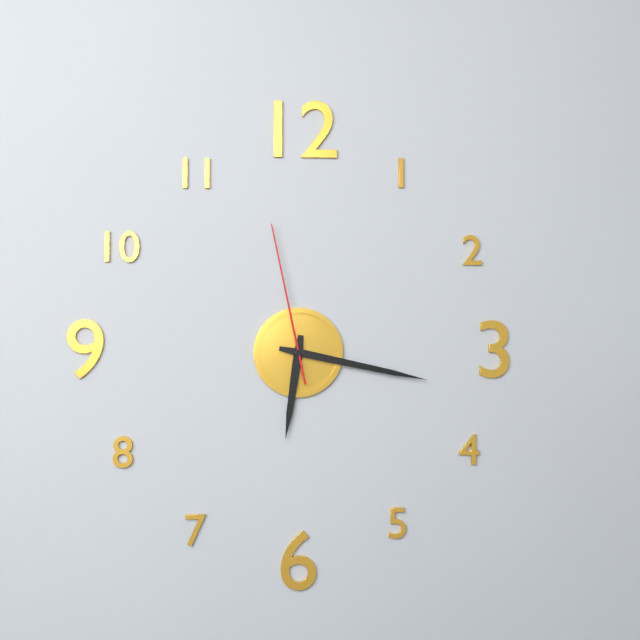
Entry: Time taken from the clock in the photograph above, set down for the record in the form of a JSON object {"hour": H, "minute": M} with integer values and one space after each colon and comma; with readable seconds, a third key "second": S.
{"hour": 6, "minute": 17, "second": 58}
